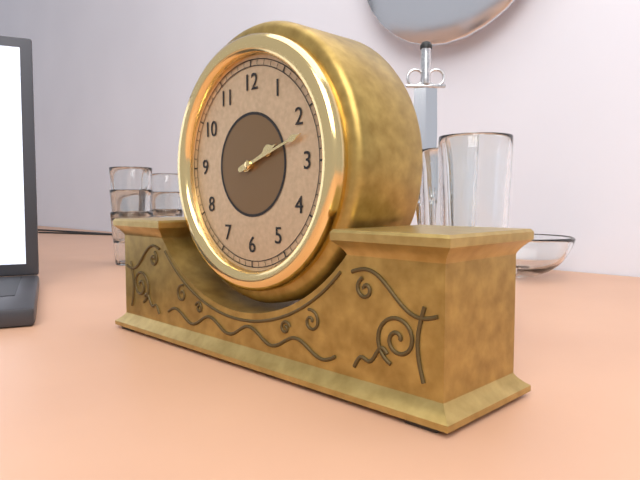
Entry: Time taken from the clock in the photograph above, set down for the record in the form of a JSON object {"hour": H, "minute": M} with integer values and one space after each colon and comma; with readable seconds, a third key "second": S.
{"hour": 2, "minute": 12}
